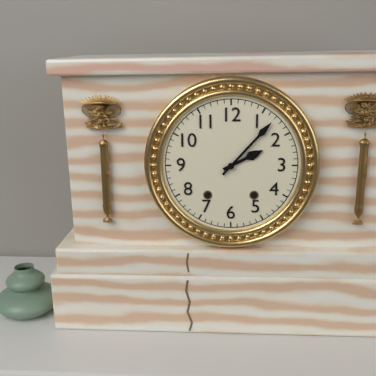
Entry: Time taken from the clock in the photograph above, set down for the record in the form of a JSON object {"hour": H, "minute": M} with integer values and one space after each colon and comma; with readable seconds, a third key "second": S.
{"hour": 2, "minute": 7}
